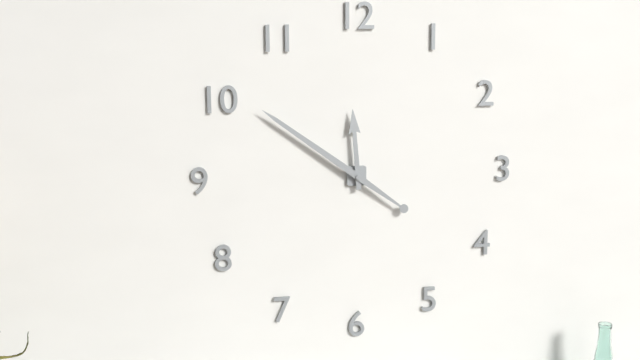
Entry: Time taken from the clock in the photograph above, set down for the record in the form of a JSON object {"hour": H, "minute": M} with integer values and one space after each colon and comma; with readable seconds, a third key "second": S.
{"hour": 11, "minute": 51}
